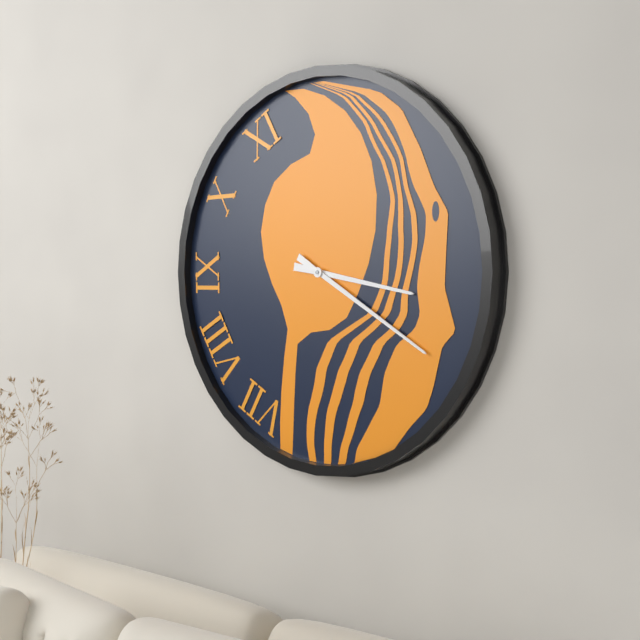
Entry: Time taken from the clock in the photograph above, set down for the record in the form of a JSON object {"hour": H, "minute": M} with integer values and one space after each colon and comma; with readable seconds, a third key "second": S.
{"hour": 3, "minute": 20}
